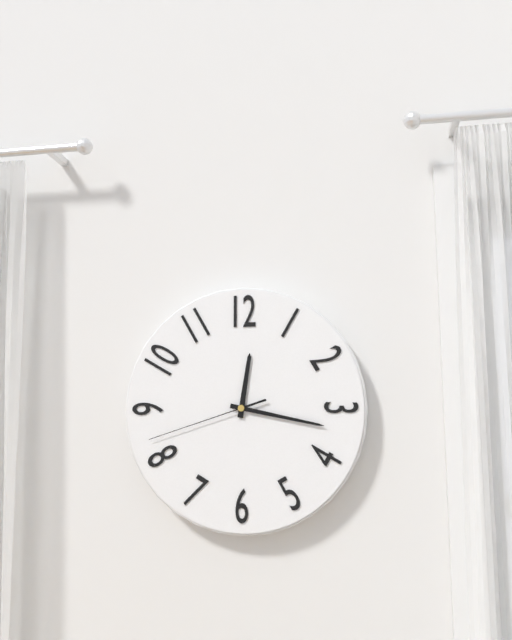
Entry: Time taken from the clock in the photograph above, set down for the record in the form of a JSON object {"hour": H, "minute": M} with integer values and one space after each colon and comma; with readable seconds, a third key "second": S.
{"hour": 12, "minute": 17, "second": 42}
